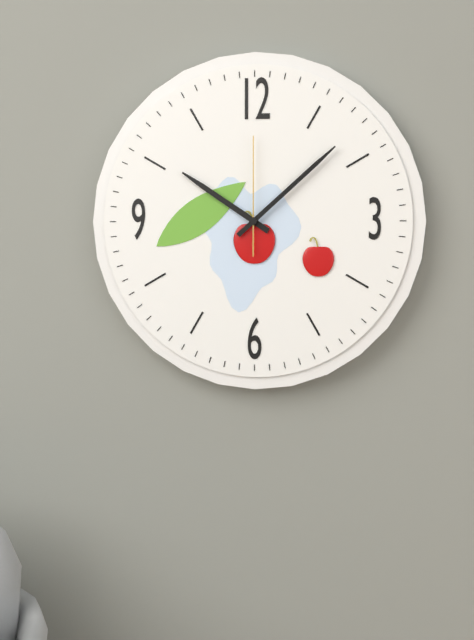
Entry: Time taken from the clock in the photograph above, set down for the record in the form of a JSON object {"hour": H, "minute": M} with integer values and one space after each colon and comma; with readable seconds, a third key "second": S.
{"hour": 10, "minute": 8, "second": 0}
